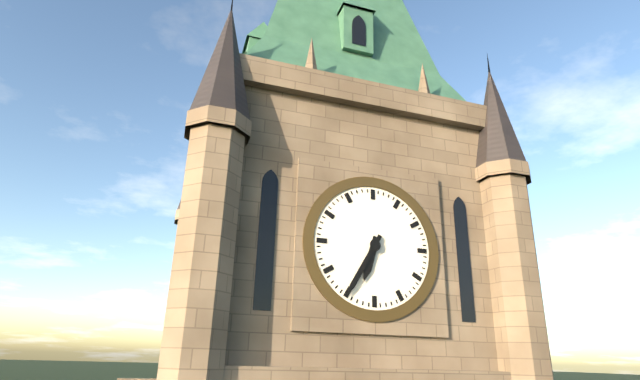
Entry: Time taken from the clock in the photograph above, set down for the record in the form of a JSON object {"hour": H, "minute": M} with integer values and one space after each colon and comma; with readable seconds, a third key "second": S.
{"hour": 6, "minute": 35}
